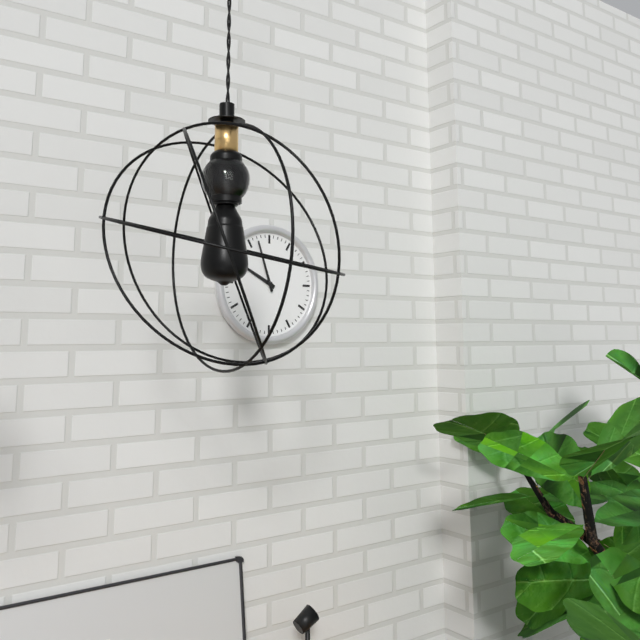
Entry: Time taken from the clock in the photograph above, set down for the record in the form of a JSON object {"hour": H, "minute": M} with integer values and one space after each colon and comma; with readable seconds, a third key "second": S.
{"hour": 9, "minute": 57}
